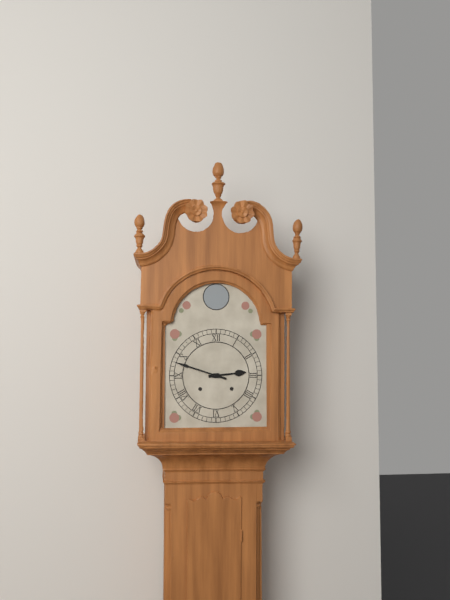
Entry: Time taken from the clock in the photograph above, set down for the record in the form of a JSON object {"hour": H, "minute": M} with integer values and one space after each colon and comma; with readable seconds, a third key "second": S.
{"hour": 2, "minute": 48}
